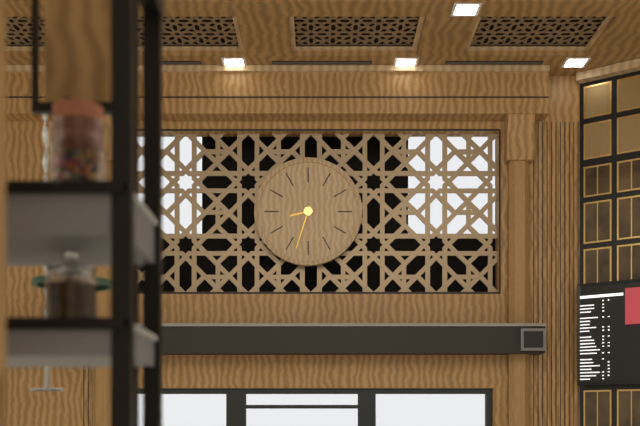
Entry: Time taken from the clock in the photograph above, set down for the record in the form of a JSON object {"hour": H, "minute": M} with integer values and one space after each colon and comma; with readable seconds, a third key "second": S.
{"hour": 8, "minute": 33}
